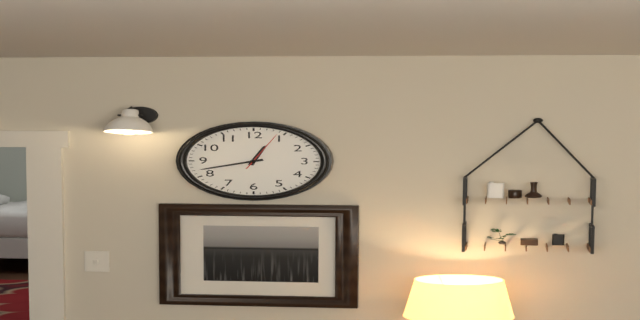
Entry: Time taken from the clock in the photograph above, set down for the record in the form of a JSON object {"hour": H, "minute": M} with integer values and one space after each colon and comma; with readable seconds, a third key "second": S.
{"hour": 12, "minute": 42}
